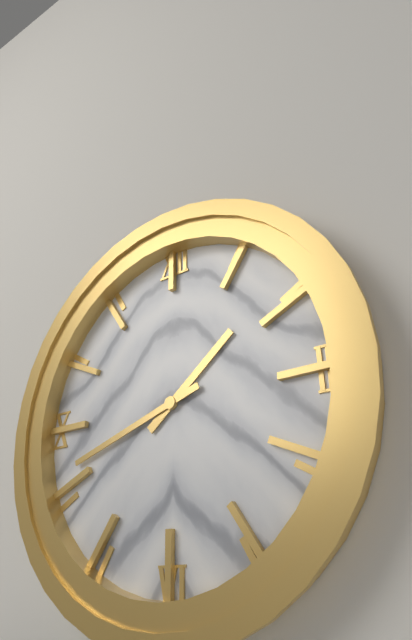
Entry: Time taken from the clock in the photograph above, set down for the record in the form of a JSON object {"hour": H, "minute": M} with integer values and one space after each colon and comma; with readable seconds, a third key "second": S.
{"hour": 1, "minute": 42}
